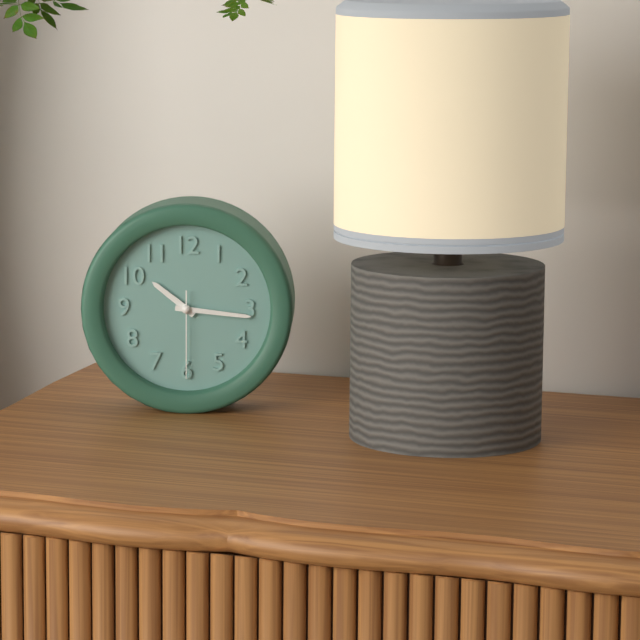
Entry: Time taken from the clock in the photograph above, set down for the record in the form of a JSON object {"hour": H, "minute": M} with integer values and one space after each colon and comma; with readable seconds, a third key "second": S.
{"hour": 10, "minute": 16, "second": 30}
